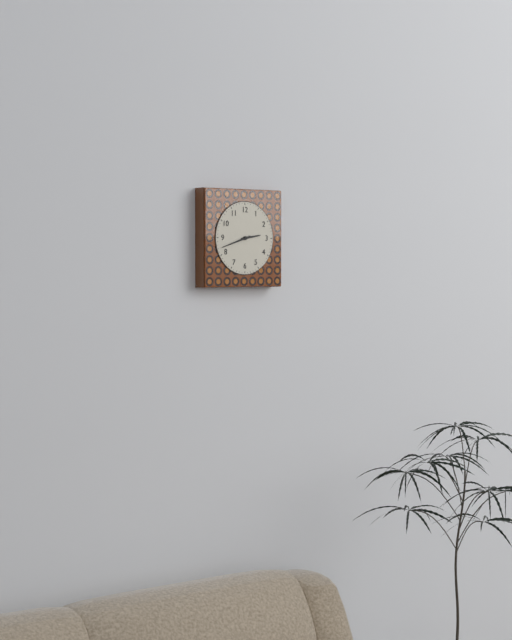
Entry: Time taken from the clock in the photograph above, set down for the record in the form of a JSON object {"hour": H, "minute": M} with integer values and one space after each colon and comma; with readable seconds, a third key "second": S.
{"hour": 2, "minute": 42}
